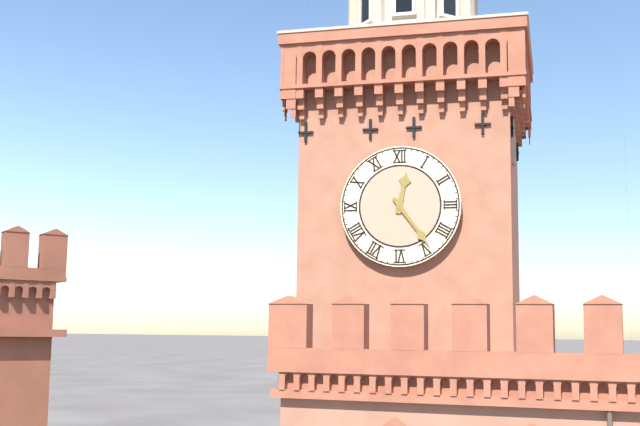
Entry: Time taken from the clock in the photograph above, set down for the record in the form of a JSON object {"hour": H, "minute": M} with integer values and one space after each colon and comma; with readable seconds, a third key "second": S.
{"hour": 12, "minute": 24}
